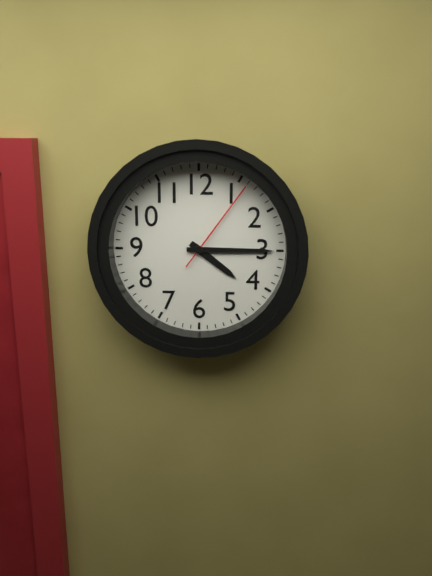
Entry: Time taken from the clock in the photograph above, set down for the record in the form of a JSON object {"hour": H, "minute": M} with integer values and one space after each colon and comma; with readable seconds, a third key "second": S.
{"hour": 4, "minute": 15, "second": 6}
